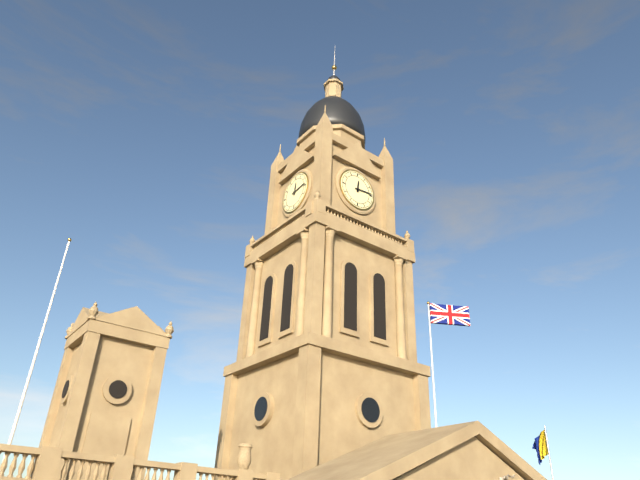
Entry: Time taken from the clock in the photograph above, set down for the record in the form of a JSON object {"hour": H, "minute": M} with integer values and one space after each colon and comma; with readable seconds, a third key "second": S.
{"hour": 12, "minute": 14}
